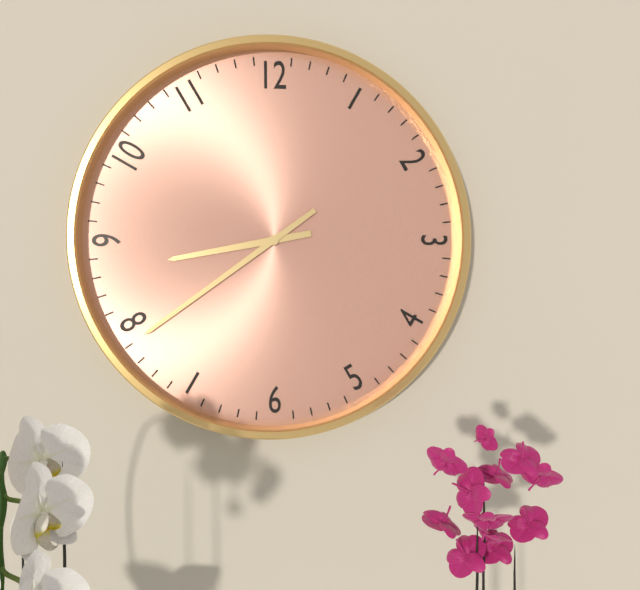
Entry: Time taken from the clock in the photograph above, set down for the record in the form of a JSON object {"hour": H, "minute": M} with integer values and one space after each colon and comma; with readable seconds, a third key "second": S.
{"hour": 8, "minute": 39}
